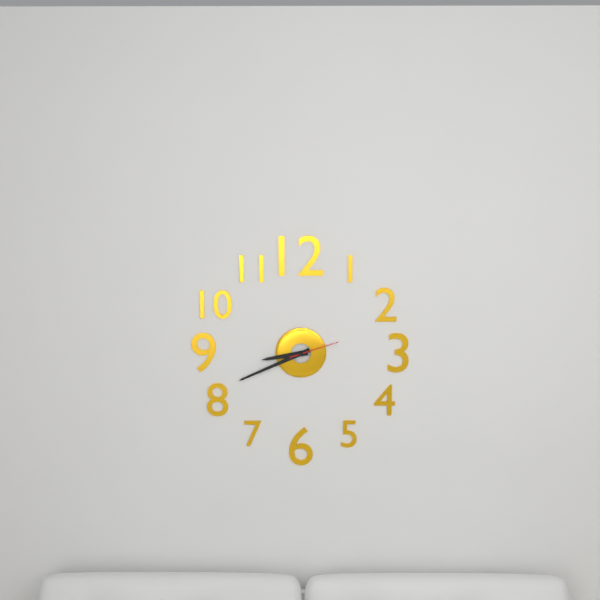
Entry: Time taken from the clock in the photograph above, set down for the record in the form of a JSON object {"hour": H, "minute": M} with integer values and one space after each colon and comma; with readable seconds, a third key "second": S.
{"hour": 8, "minute": 41, "second": 12}
